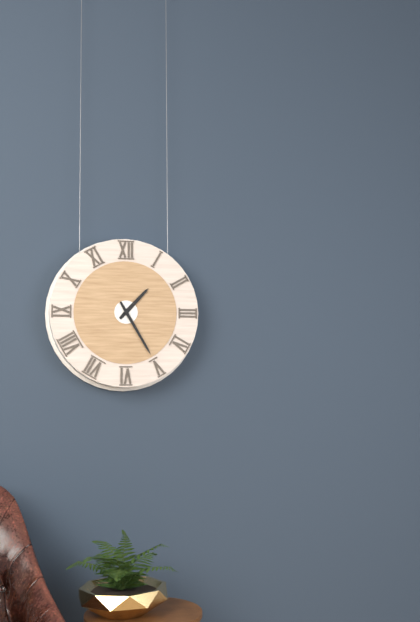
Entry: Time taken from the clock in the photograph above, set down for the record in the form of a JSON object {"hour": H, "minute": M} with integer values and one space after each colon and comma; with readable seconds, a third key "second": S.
{"hour": 1, "minute": 25}
